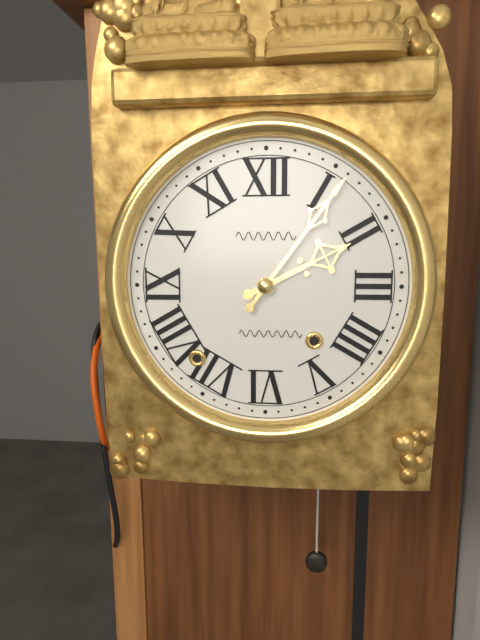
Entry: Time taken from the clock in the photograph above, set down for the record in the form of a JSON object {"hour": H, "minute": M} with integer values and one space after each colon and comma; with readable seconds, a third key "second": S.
{"hour": 2, "minute": 6}
